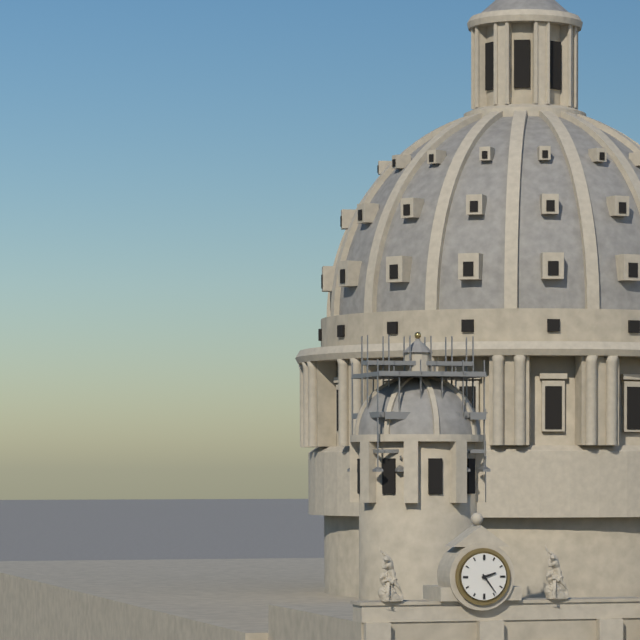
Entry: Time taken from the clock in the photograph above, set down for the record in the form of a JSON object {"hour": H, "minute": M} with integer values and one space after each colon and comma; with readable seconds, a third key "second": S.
{"hour": 2, "minute": 24}
